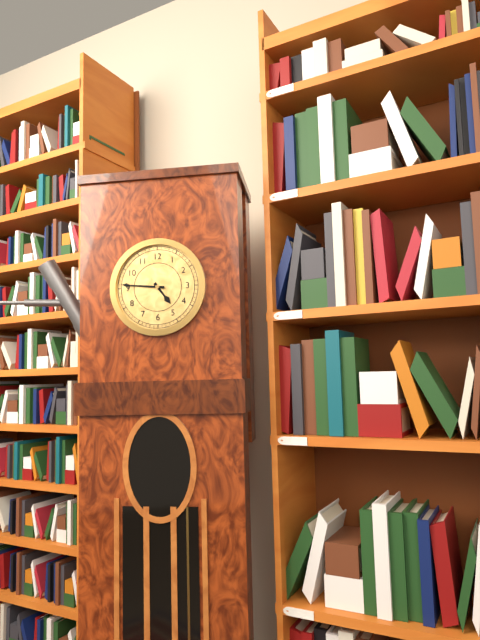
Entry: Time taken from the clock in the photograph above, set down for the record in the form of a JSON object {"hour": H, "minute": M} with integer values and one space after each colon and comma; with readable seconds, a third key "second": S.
{"hour": 4, "minute": 46}
